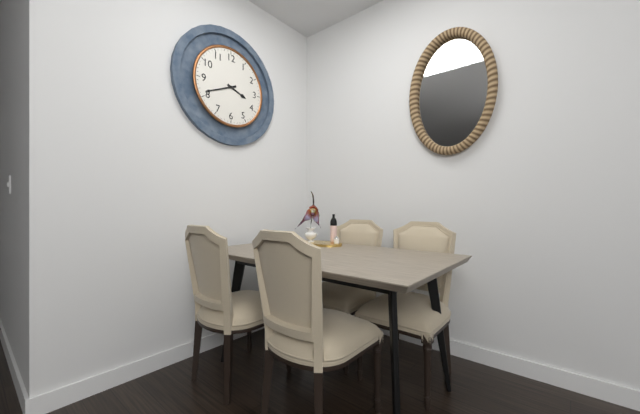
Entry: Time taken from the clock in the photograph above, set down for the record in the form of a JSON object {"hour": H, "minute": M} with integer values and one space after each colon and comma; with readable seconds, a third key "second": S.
{"hour": 3, "minute": 41}
